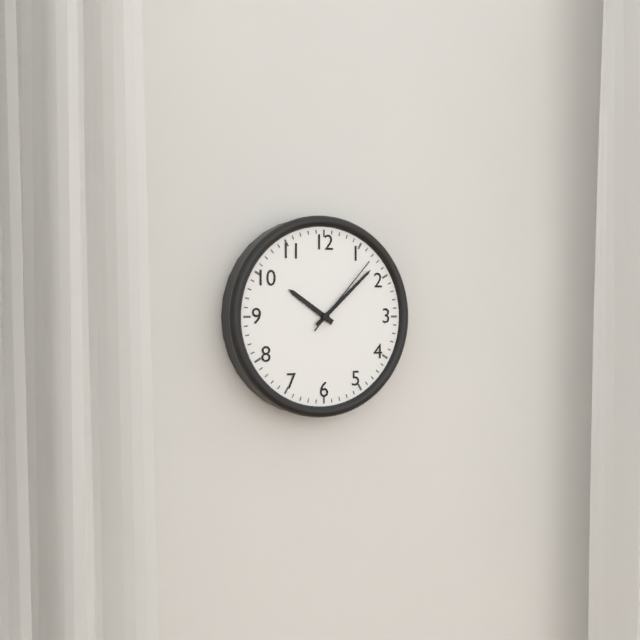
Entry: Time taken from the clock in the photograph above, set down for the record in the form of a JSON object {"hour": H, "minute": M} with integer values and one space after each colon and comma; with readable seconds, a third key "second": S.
{"hour": 10, "minute": 8, "second": 7}
